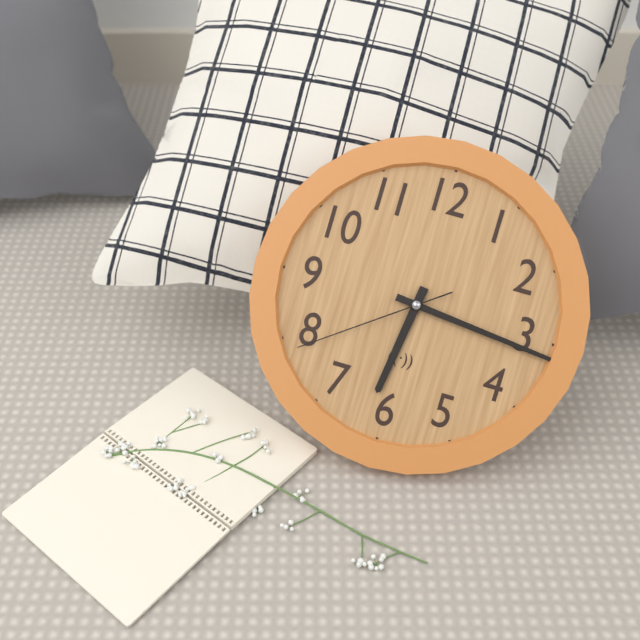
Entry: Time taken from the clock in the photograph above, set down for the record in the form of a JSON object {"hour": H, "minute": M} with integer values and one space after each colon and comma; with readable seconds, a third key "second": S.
{"hour": 6, "minute": 16, "second": 39}
